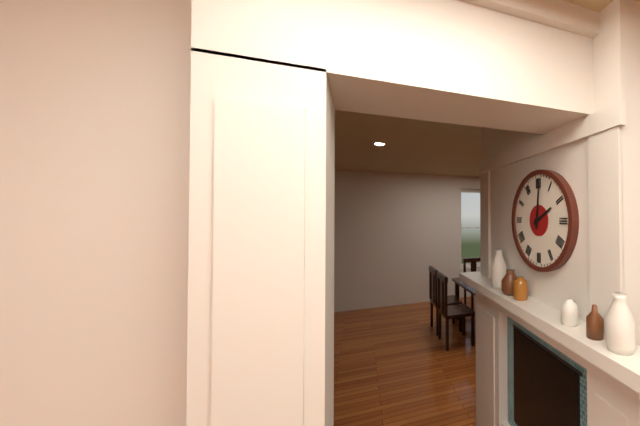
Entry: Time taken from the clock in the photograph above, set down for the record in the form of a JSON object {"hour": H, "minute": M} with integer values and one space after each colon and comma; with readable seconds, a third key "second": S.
{"hour": 2, "minute": 1}
